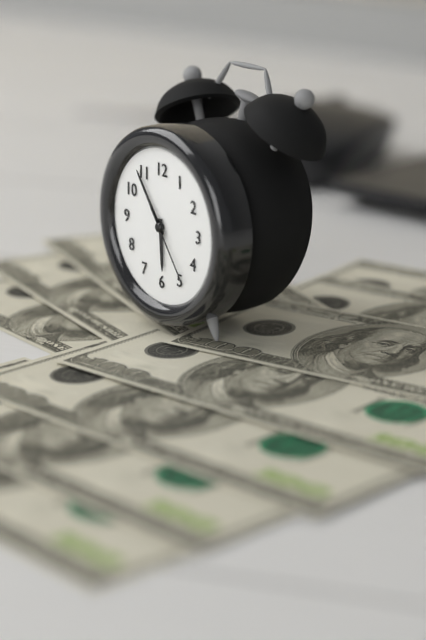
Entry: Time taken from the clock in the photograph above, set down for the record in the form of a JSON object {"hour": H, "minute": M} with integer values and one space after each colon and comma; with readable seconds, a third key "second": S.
{"hour": 5, "minute": 54, "second": 24}
